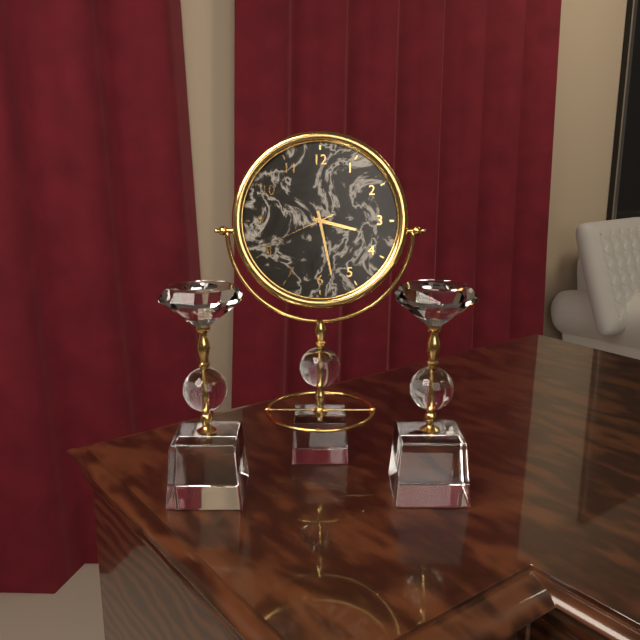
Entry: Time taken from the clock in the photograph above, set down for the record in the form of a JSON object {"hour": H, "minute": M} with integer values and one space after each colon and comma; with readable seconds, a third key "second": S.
{"hour": 3, "minute": 28, "second": 41}
